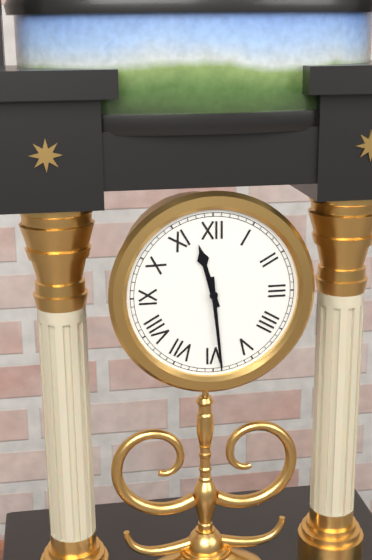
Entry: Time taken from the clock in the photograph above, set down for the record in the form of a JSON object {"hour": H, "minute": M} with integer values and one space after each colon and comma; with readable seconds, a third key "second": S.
{"hour": 11, "minute": 29}
